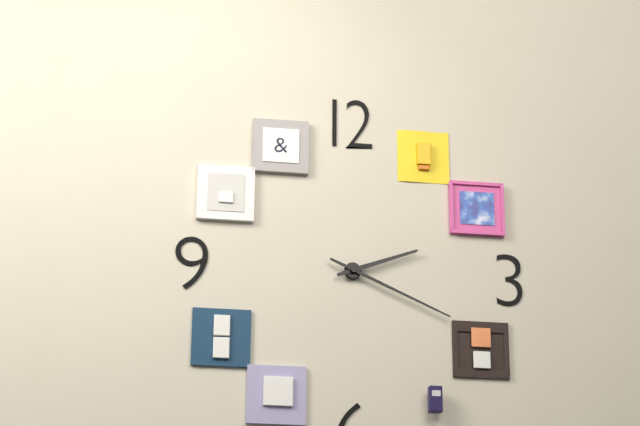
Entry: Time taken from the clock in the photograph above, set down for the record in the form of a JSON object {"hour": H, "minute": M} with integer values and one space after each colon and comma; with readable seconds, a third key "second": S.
{"hour": 2, "minute": 19}
